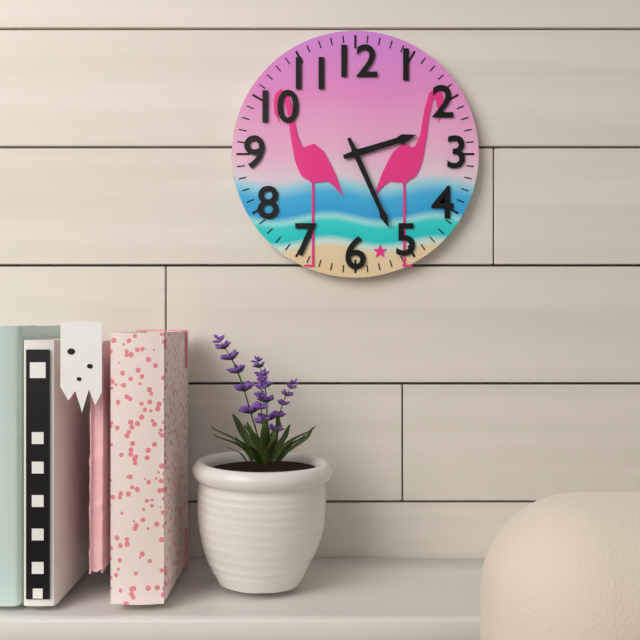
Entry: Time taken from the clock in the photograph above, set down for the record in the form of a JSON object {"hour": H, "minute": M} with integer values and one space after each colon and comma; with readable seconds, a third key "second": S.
{"hour": 2, "minute": 26}
